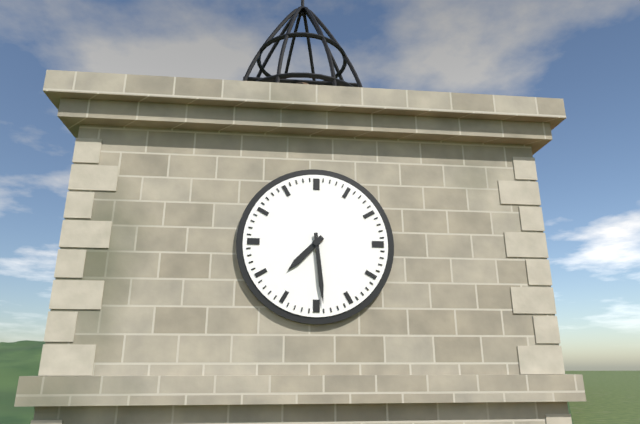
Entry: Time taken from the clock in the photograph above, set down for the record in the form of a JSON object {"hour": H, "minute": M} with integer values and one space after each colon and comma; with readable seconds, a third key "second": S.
{"hour": 7, "minute": 29}
